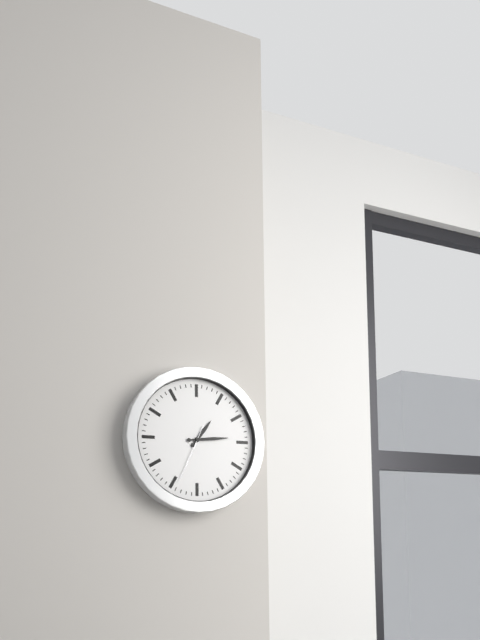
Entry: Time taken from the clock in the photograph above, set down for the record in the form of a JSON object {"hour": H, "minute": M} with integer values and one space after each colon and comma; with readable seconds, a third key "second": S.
{"hour": 1, "minute": 14, "second": 34}
